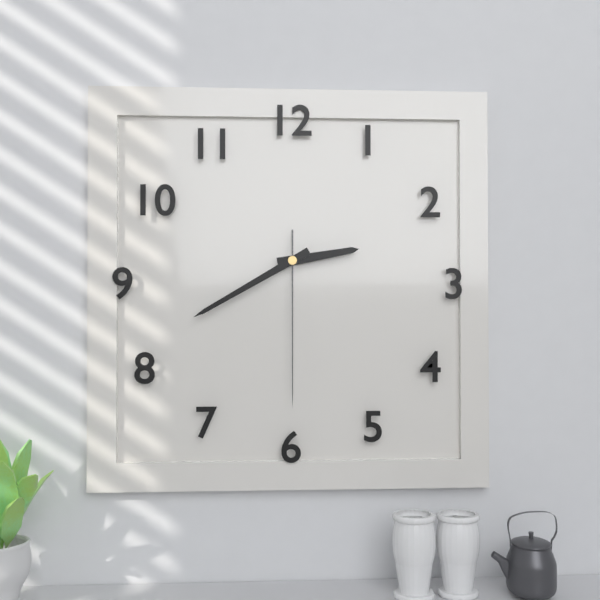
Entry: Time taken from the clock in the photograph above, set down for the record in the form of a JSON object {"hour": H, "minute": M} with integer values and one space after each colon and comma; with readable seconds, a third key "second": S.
{"hour": 2, "minute": 40, "second": 30}
